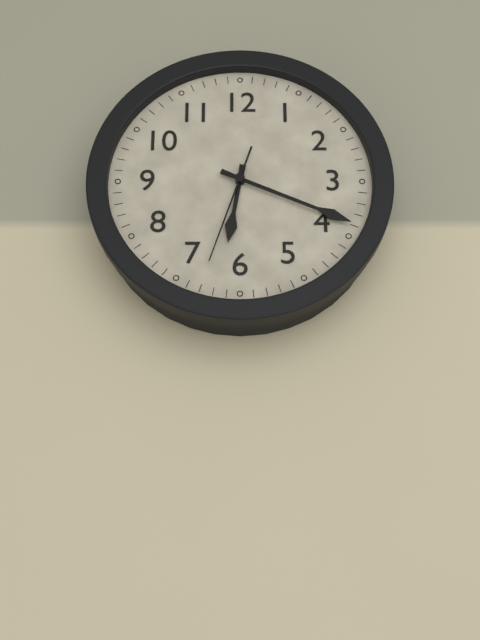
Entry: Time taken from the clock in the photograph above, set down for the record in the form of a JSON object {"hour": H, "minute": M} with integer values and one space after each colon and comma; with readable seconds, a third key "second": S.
{"hour": 6, "minute": 19, "second": 33}
